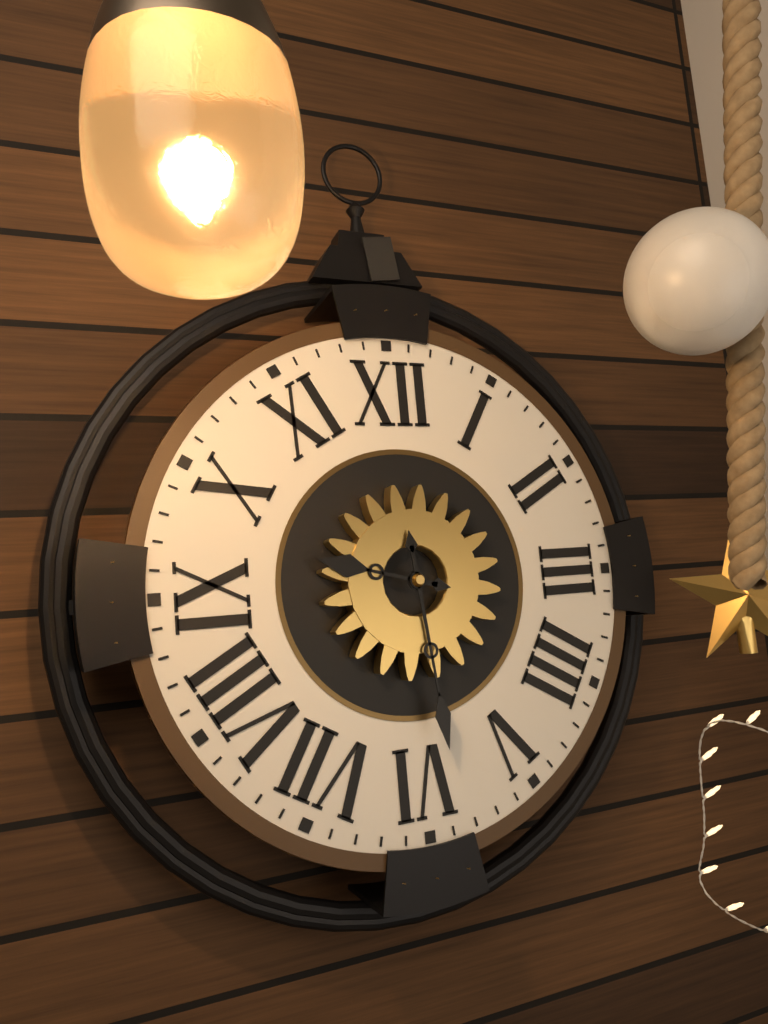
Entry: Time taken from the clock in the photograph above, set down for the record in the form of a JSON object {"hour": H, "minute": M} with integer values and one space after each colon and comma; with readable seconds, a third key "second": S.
{"hour": 9, "minute": 29}
